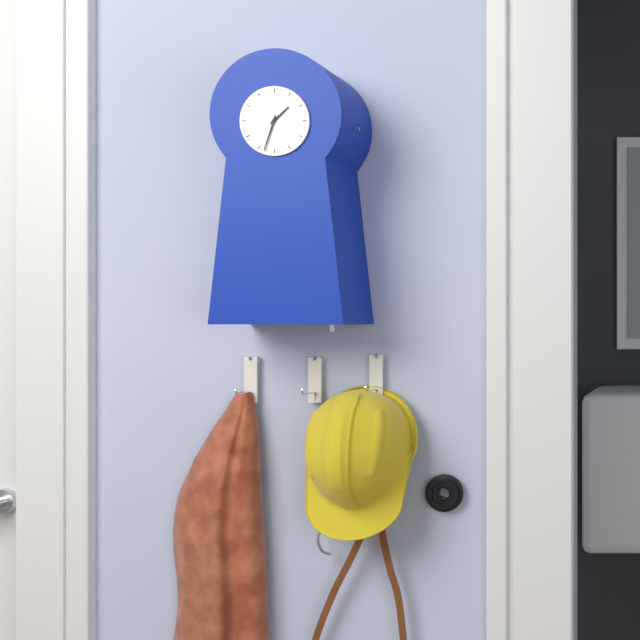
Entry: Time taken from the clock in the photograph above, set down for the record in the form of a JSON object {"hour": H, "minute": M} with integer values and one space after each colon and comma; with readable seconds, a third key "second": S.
{"hour": 1, "minute": 33}
